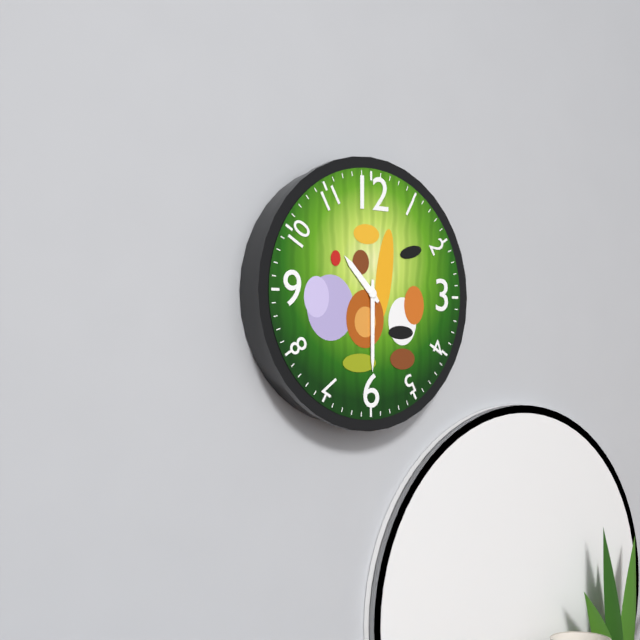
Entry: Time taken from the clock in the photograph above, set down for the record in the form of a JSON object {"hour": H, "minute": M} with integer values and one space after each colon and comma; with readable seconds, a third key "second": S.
{"hour": 10, "minute": 30}
